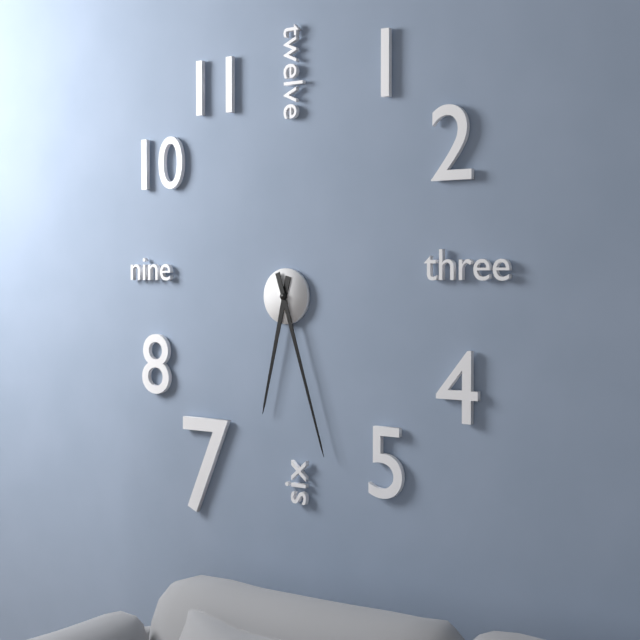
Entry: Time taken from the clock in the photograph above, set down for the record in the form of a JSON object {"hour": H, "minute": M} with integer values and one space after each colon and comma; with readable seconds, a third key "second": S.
{"hour": 6, "minute": 27}
